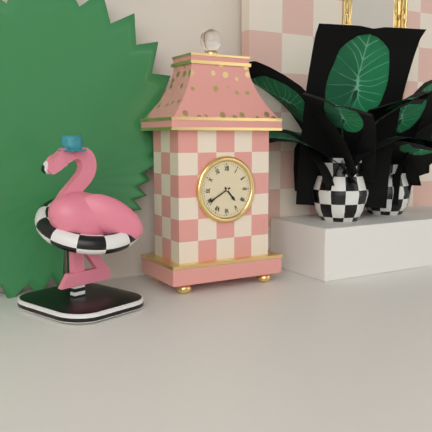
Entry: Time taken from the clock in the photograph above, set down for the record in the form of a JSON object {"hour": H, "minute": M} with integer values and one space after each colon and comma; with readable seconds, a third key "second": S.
{"hour": 4, "minute": 40}
